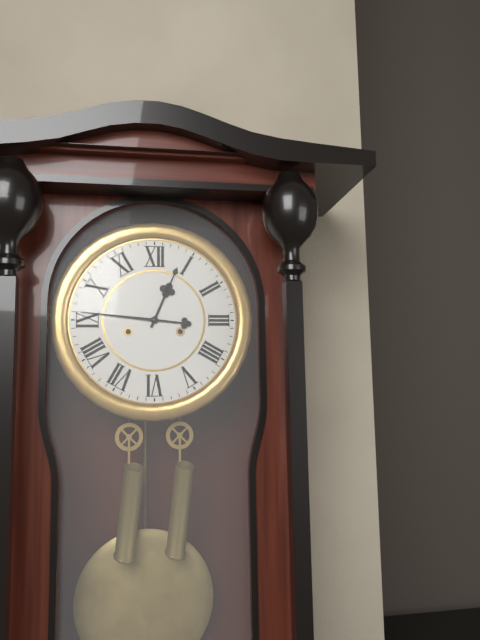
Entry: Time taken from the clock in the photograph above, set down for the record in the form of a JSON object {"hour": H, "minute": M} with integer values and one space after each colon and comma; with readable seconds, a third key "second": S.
{"hour": 12, "minute": 46}
